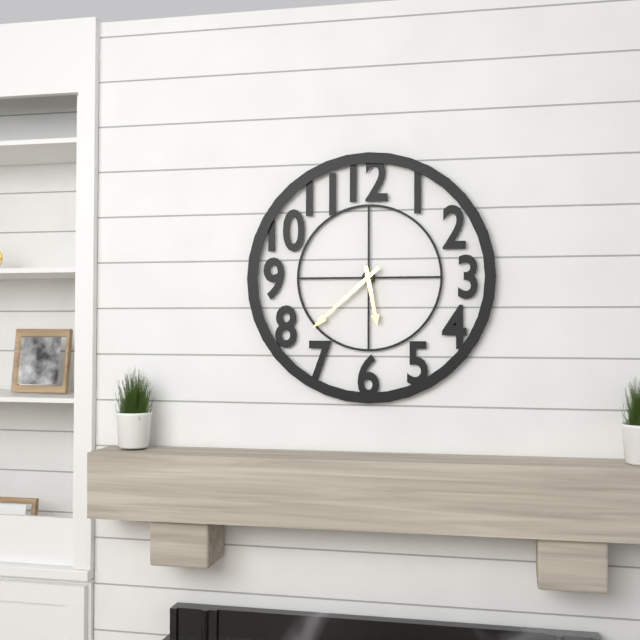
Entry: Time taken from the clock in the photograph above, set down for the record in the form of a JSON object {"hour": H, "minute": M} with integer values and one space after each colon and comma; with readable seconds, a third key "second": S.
{"hour": 5, "minute": 38}
